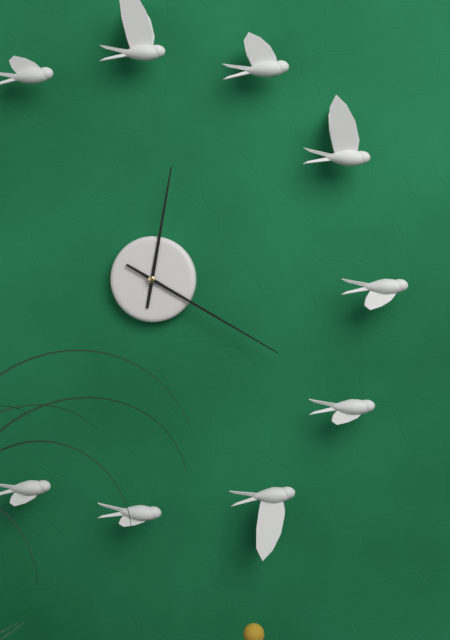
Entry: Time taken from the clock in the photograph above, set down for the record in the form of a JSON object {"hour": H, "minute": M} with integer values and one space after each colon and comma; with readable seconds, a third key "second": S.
{"hour": 12, "minute": 20}
